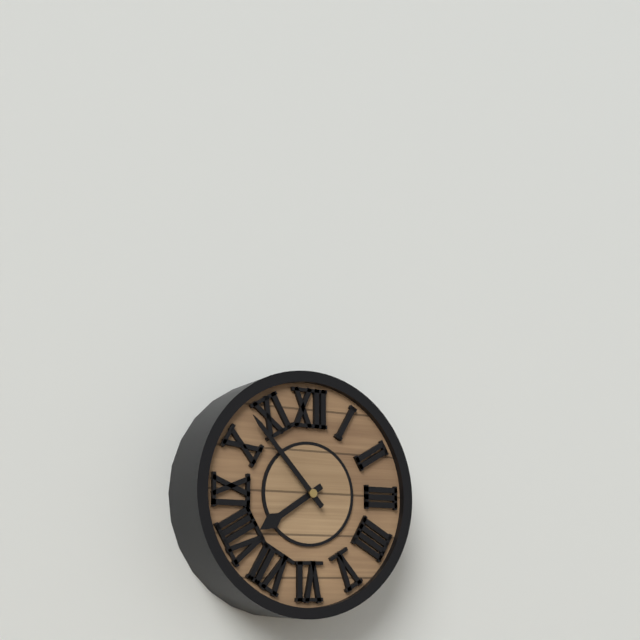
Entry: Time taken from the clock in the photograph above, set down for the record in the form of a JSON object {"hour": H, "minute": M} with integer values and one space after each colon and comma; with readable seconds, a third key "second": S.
{"hour": 7, "minute": 53}
